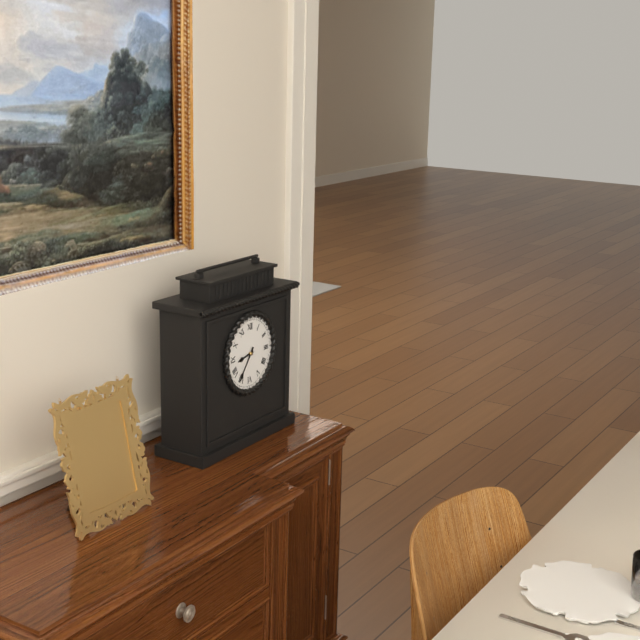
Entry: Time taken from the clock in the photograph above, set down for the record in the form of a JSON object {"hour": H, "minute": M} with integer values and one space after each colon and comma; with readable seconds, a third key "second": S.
{"hour": 8, "minute": 36}
